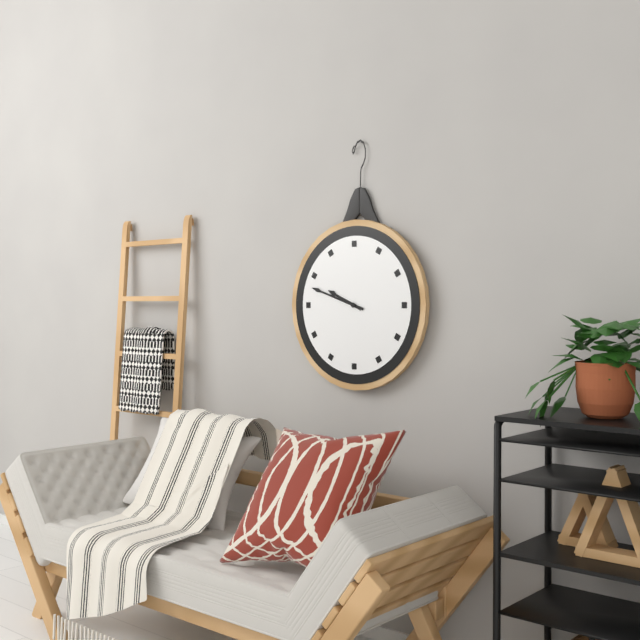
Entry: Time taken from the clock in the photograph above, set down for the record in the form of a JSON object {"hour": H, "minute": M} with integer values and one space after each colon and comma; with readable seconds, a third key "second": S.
{"hour": 9, "minute": 48}
